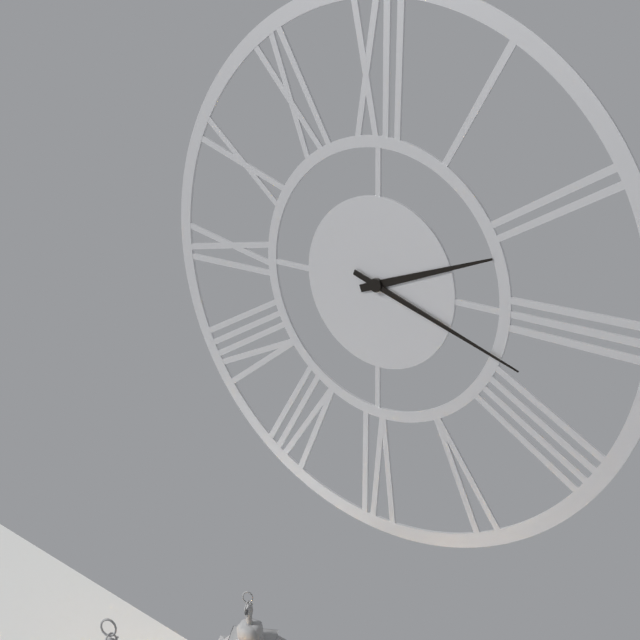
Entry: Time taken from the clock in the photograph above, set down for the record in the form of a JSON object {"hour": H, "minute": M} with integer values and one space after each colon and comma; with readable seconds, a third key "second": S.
{"hour": 2, "minute": 18}
